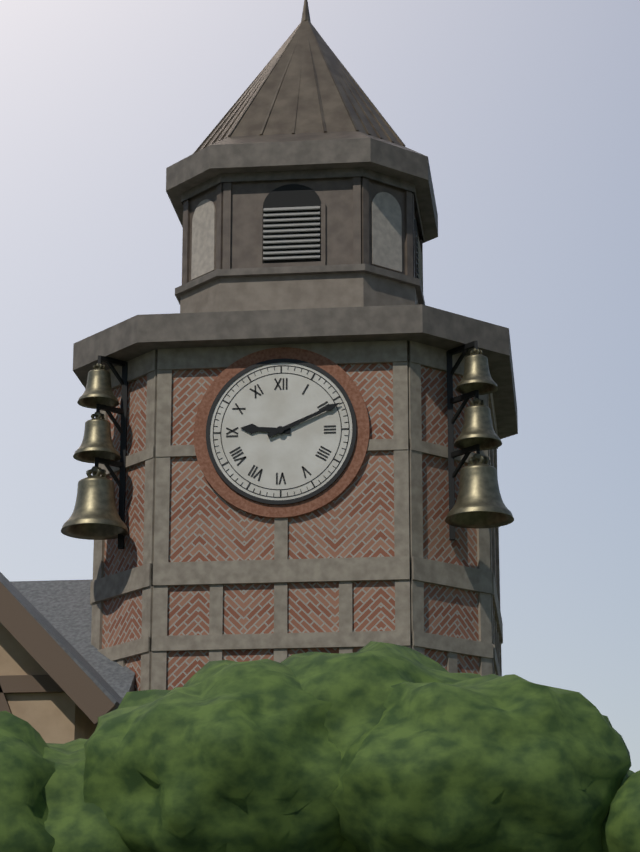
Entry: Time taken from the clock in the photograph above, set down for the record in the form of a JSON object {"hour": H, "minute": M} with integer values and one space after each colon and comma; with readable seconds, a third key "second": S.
{"hour": 9, "minute": 11}
